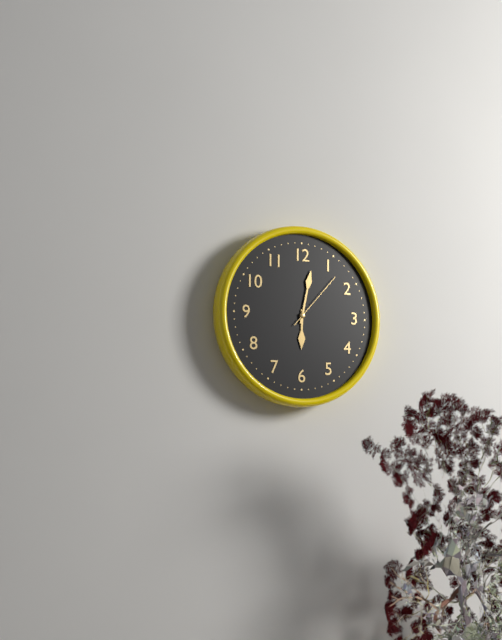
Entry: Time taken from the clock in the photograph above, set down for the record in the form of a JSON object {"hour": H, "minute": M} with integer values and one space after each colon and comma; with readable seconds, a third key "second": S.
{"hour": 6, "minute": 2, "second": 7}
